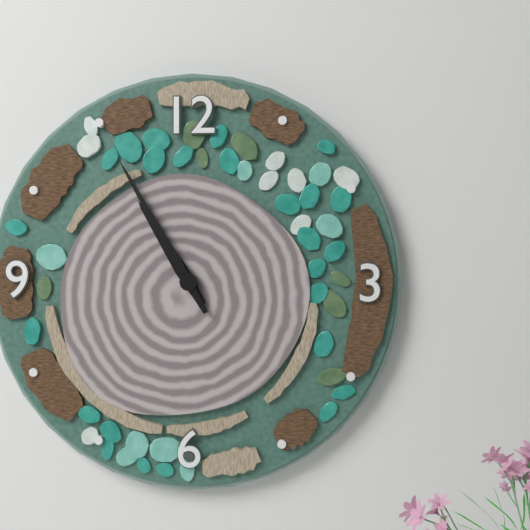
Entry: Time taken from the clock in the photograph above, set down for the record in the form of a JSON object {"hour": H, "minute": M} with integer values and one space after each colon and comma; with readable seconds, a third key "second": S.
{"hour": 10, "minute": 55}
